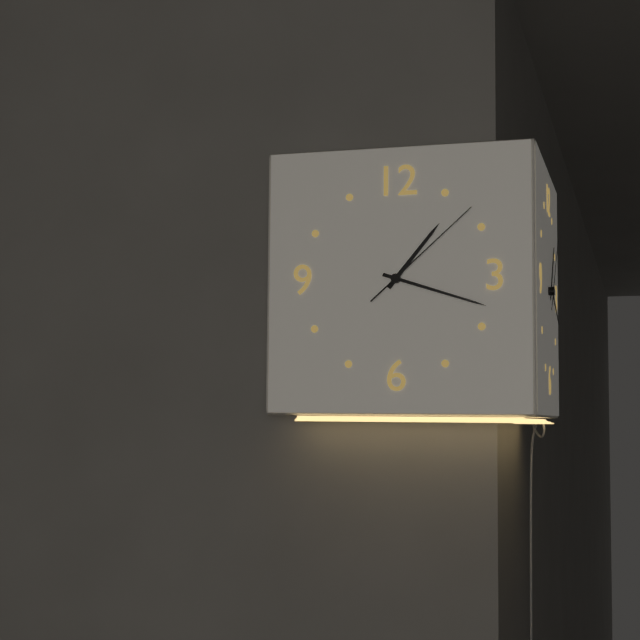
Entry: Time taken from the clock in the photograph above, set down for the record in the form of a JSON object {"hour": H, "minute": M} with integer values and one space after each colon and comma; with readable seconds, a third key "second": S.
{"hour": 1, "minute": 18, "second": 8}
